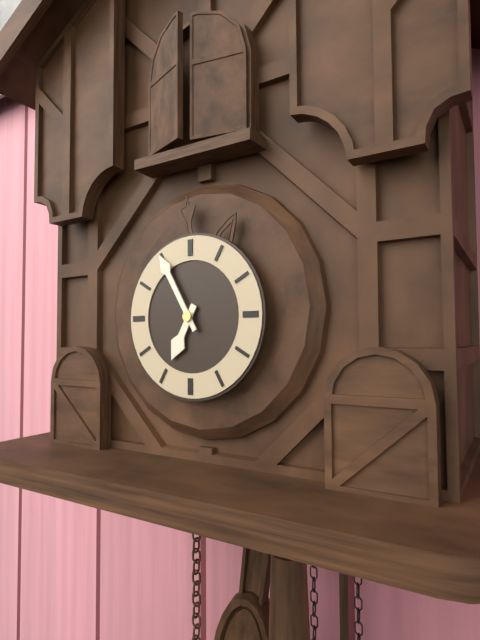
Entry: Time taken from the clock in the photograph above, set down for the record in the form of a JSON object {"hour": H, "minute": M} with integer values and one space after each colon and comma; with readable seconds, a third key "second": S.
{"hour": 6, "minute": 55}
